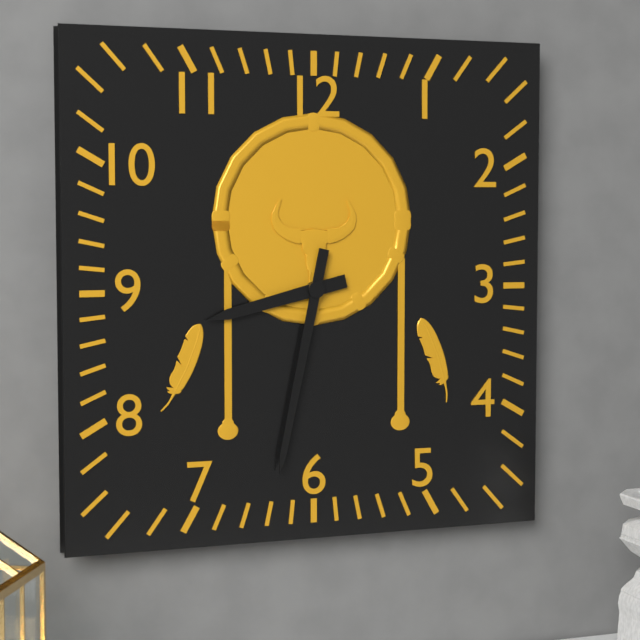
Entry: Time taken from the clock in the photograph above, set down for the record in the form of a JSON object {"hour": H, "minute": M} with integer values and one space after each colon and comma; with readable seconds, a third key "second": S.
{"hour": 8, "minute": 32}
